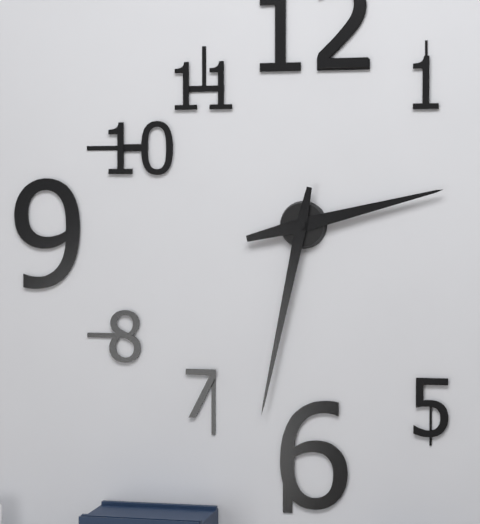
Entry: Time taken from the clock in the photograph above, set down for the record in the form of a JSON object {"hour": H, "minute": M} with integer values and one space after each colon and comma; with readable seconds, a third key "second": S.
{"hour": 2, "minute": 32}
